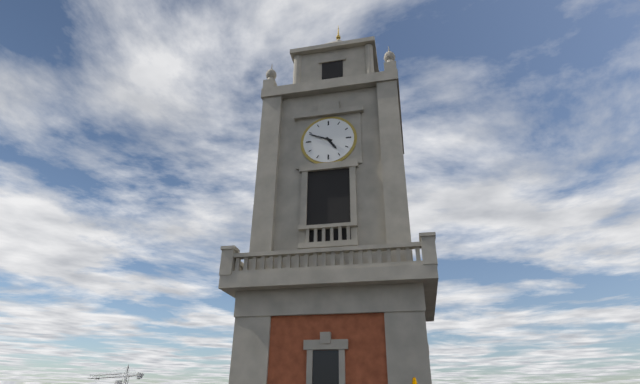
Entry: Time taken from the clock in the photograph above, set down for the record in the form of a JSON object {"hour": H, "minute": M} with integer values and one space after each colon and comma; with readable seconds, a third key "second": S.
{"hour": 4, "minute": 49}
